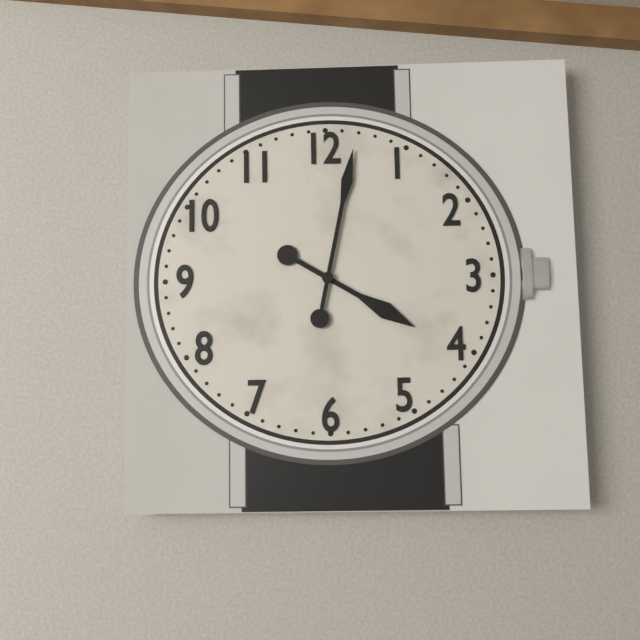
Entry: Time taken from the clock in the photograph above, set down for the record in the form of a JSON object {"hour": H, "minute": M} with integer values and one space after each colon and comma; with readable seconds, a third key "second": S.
{"hour": 4, "minute": 2}
